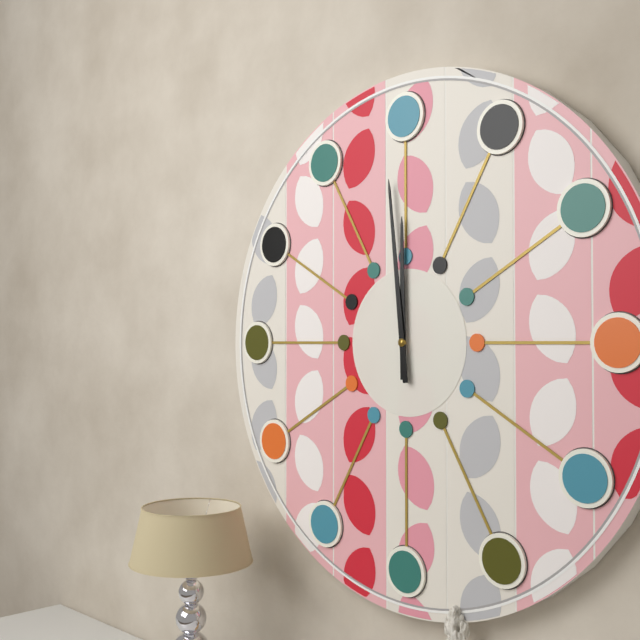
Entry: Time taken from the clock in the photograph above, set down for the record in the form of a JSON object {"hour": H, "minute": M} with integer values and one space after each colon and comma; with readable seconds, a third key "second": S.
{"hour": 11, "minute": 59}
